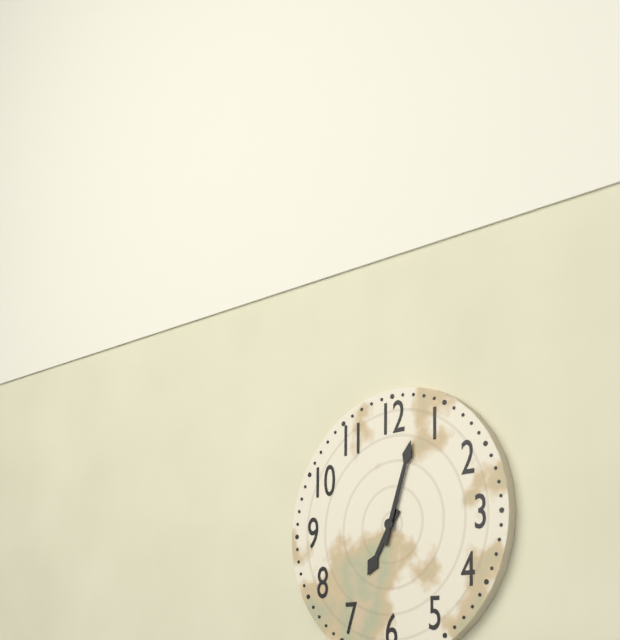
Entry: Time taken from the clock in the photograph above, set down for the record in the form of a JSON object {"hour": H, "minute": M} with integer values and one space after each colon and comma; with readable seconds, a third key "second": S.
{"hour": 7, "minute": 3}
